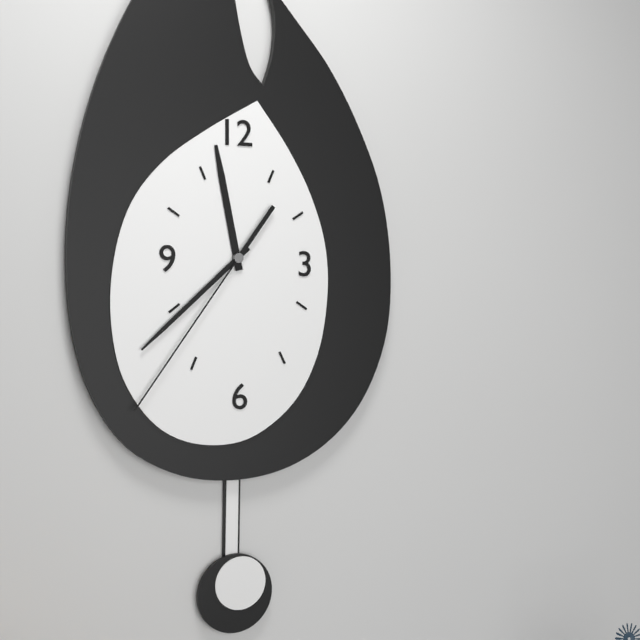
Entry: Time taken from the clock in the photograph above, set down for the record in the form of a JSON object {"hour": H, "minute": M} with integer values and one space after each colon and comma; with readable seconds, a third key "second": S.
{"hour": 11, "minute": 38, "second": 36}
